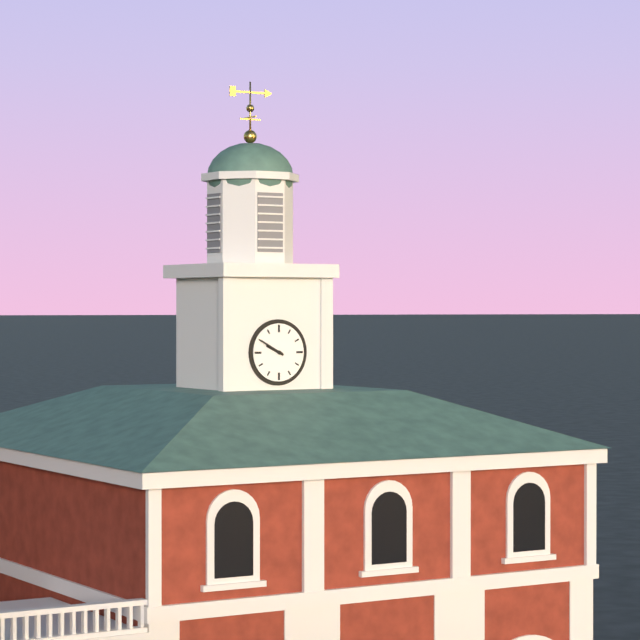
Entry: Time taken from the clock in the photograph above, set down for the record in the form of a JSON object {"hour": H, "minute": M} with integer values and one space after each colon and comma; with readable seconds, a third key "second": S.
{"hour": 9, "minute": 50}
